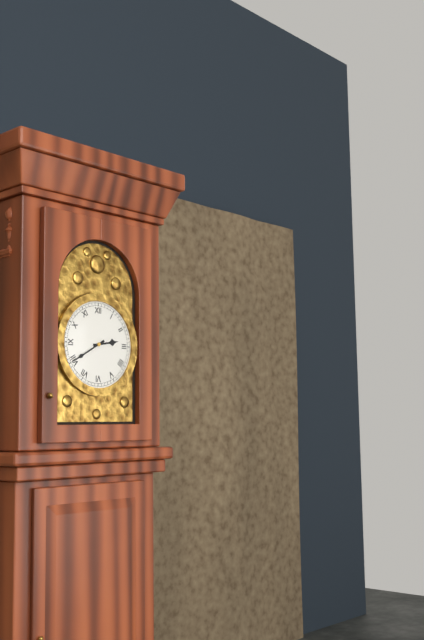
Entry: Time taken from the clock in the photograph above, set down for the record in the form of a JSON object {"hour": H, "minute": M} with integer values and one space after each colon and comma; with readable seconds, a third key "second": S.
{"hour": 2, "minute": 40}
